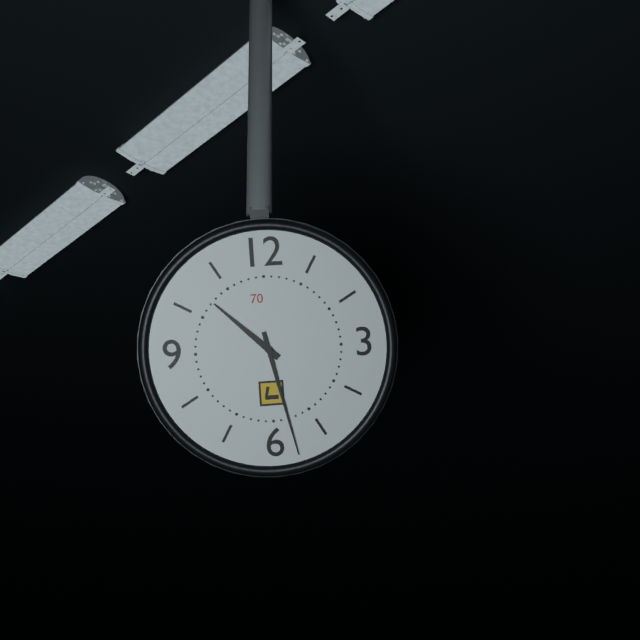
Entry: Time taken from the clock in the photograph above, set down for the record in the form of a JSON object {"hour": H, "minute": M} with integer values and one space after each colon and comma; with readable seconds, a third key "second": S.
{"hour": 10, "minute": 28}
